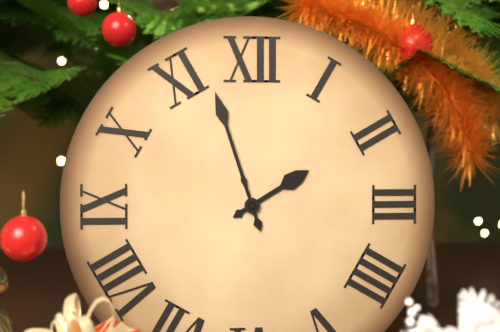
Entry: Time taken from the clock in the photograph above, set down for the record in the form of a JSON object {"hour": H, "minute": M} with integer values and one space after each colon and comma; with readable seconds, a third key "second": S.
{"hour": 1, "minute": 57}
